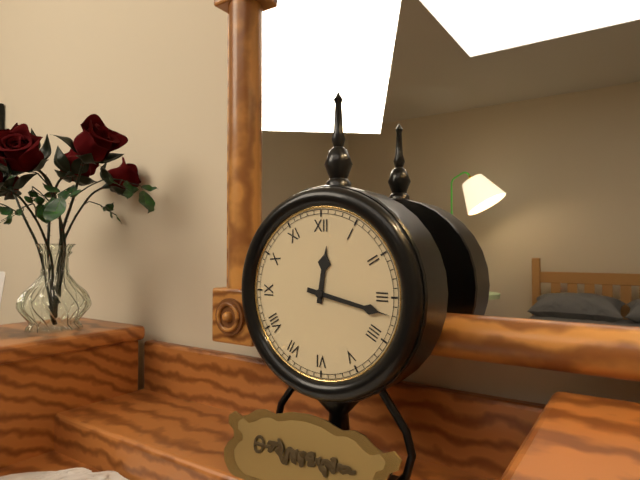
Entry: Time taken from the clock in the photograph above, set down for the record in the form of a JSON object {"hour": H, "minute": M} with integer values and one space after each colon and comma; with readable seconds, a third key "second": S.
{"hour": 12, "minute": 17}
